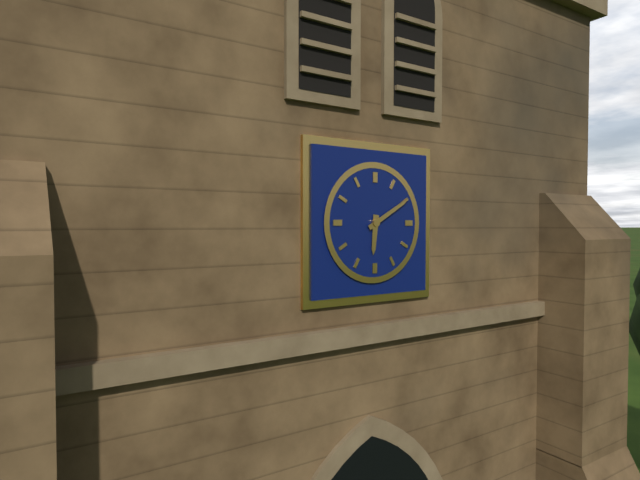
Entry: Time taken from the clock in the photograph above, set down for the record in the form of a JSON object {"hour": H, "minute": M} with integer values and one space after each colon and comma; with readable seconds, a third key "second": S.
{"hour": 6, "minute": 10}
